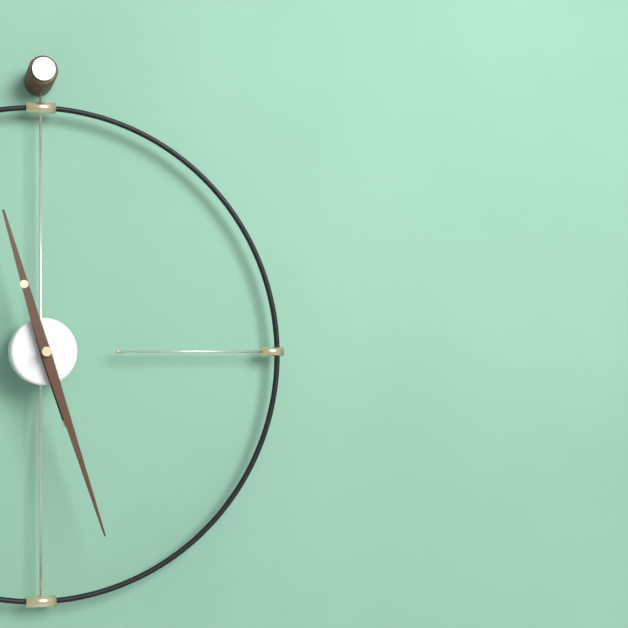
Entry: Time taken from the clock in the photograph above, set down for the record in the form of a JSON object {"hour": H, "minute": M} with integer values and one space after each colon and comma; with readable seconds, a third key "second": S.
{"hour": 11, "minute": 27}
